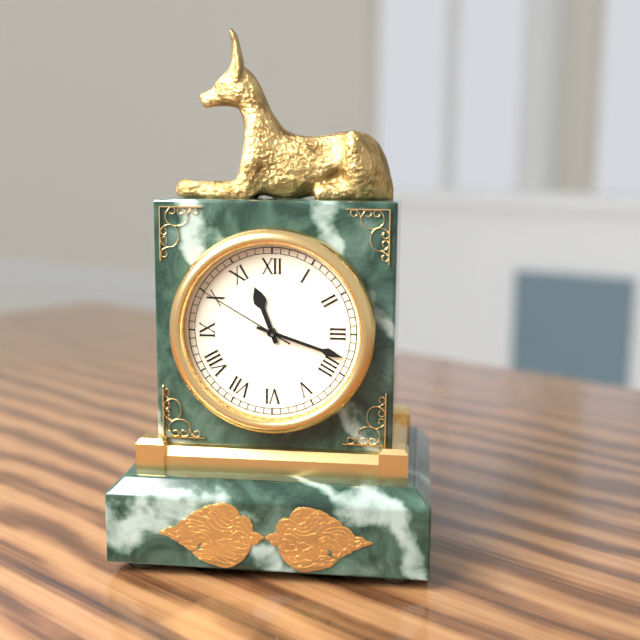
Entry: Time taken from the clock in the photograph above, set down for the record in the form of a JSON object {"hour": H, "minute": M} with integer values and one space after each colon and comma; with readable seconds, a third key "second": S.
{"hour": 11, "minute": 18, "second": 50}
